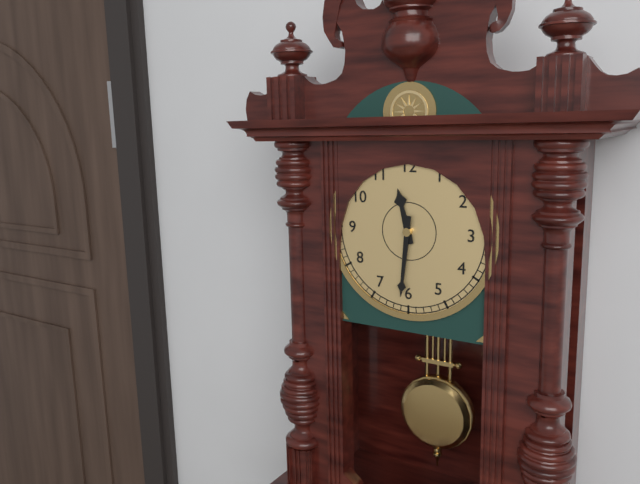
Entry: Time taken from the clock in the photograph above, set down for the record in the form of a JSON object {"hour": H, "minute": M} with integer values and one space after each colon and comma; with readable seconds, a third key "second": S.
{"hour": 11, "minute": 31}
